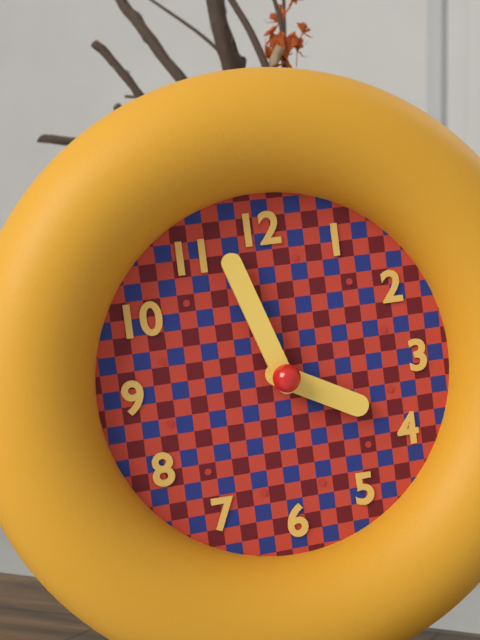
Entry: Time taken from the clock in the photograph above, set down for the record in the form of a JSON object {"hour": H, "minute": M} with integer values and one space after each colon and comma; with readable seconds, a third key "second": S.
{"hour": 3, "minute": 57}
